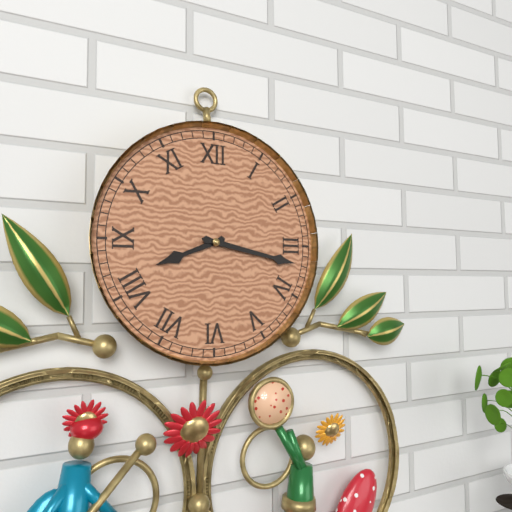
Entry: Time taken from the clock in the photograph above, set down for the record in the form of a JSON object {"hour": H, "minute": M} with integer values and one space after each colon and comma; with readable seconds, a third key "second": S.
{"hour": 8, "minute": 17}
